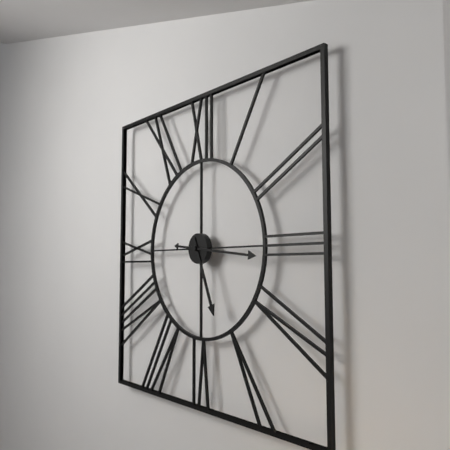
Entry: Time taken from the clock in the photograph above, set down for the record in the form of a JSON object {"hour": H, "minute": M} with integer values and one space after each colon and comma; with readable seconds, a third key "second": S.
{"hour": 5, "minute": 16}
